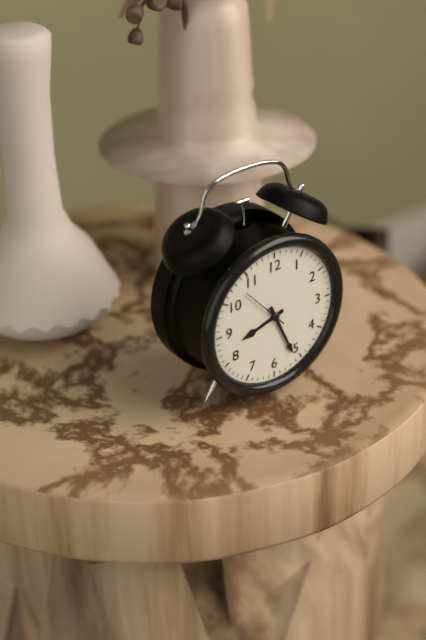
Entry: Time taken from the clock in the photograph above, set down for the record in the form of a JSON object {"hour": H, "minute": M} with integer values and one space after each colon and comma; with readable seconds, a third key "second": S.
{"hour": 8, "minute": 26}
